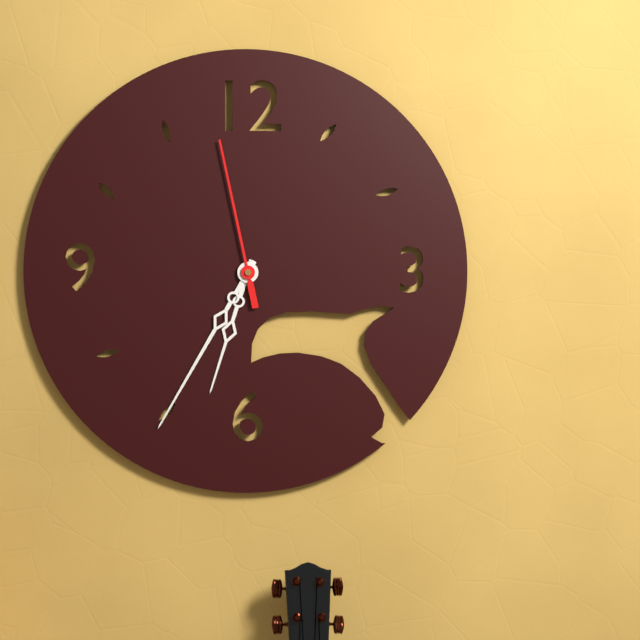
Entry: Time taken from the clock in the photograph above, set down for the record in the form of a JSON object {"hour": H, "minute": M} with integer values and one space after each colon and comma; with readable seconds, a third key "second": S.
{"hour": 6, "minute": 35, "second": 58}
